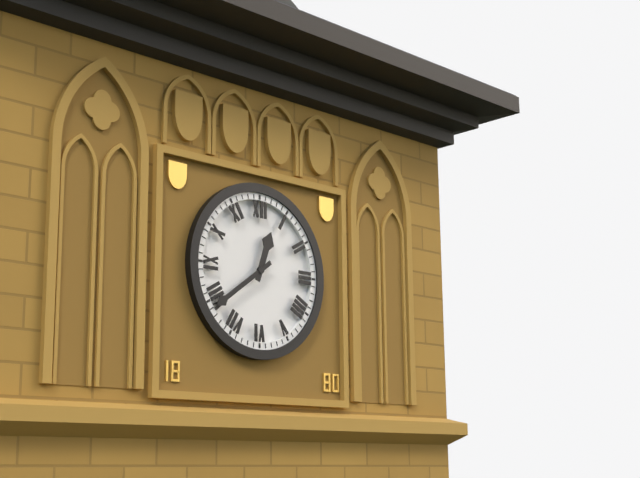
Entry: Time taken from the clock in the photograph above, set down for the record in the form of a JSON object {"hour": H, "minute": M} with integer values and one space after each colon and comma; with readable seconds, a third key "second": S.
{"hour": 12, "minute": 39}
